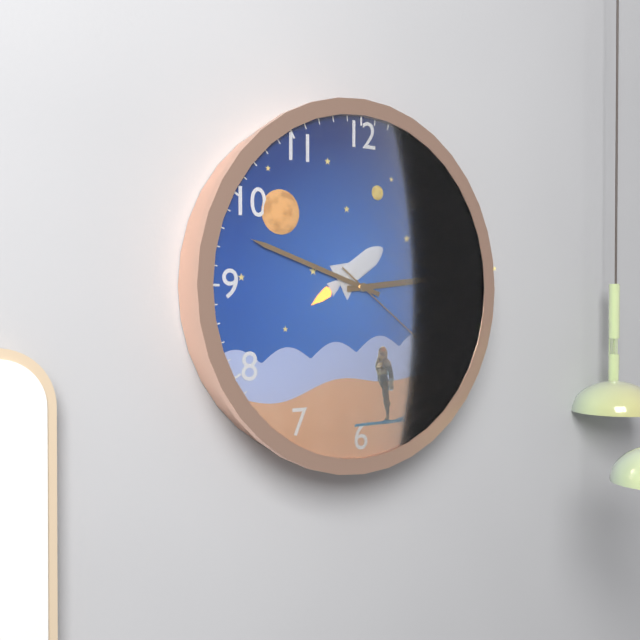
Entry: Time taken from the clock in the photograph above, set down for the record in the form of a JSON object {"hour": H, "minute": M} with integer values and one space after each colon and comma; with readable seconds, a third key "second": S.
{"hour": 2, "minute": 48, "second": 21}
